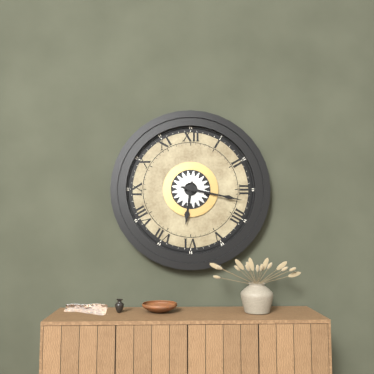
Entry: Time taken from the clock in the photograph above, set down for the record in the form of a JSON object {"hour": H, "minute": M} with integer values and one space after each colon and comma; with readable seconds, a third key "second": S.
{"hour": 6, "minute": 17}
